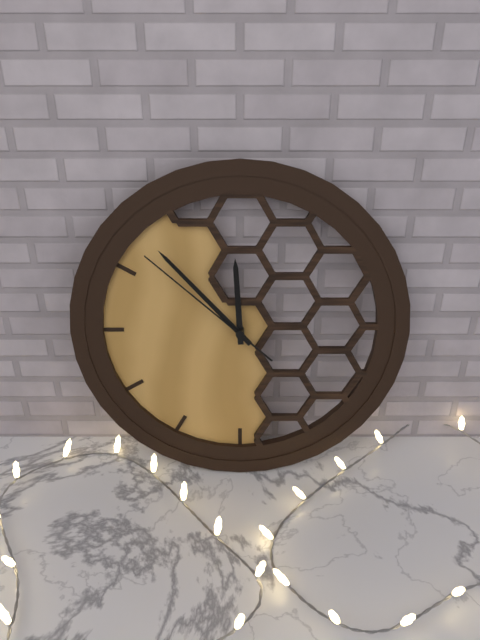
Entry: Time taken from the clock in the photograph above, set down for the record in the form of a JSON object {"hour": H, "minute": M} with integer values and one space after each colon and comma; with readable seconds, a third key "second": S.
{"hour": 11, "minute": 53, "second": 52}
